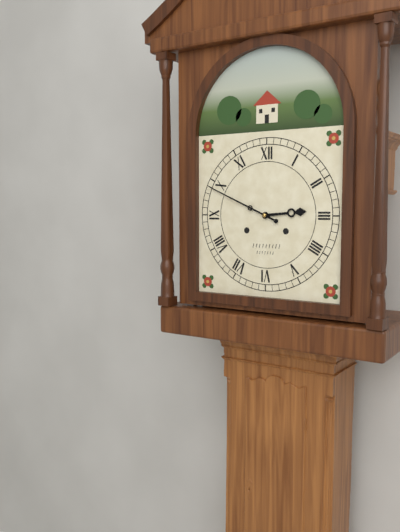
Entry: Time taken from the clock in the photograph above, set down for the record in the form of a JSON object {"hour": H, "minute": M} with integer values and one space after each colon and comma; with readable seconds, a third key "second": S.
{"hour": 2, "minute": 49}
